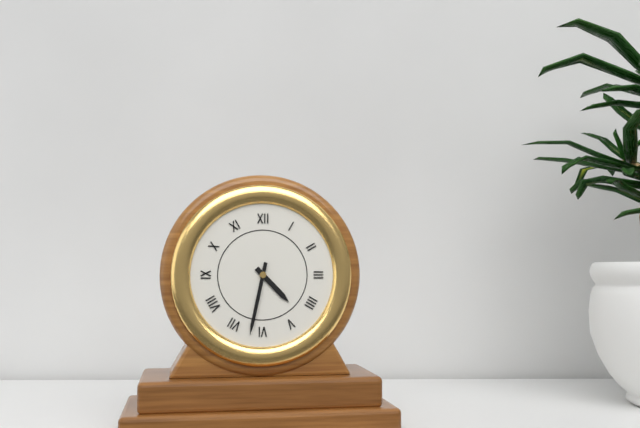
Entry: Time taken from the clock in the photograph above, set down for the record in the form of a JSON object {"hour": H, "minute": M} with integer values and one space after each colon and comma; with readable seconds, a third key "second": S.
{"hour": 4, "minute": 32}
